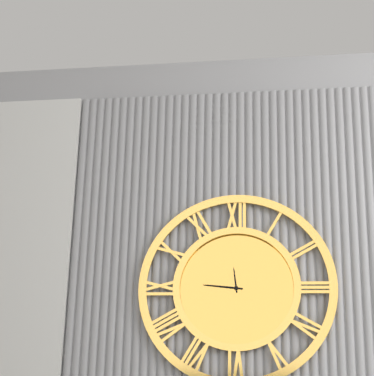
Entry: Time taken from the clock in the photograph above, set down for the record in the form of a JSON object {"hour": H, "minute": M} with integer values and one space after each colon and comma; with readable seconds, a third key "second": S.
{"hour": 11, "minute": 46}
